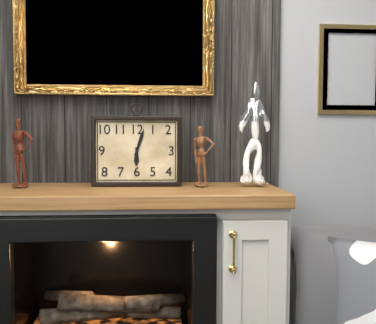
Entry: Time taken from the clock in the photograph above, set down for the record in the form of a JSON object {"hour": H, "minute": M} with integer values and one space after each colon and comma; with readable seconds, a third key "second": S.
{"hour": 6, "minute": 3}
